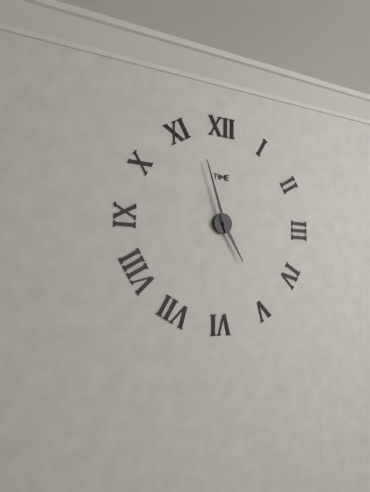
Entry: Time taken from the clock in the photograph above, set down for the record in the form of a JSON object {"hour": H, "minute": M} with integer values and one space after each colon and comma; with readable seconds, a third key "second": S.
{"hour": 4, "minute": 57}
